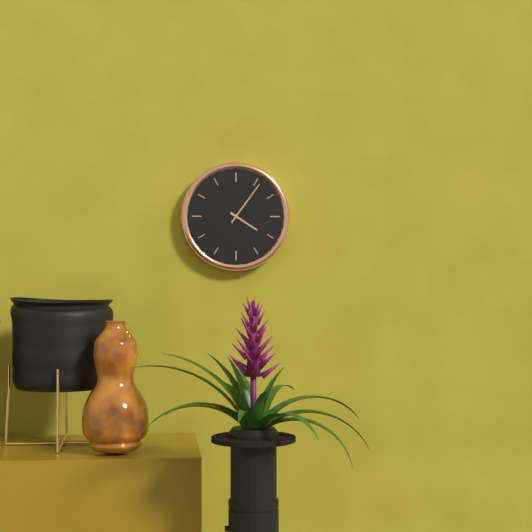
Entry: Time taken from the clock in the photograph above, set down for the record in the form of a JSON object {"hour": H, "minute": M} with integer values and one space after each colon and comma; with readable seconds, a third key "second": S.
{"hour": 4, "minute": 6}
